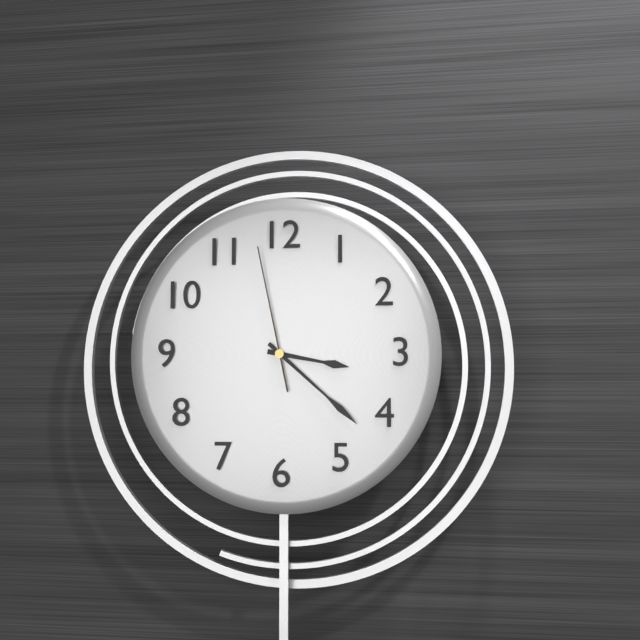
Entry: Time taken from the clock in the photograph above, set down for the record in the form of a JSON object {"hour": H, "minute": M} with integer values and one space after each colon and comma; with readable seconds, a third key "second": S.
{"hour": 3, "minute": 22, "second": 58}
